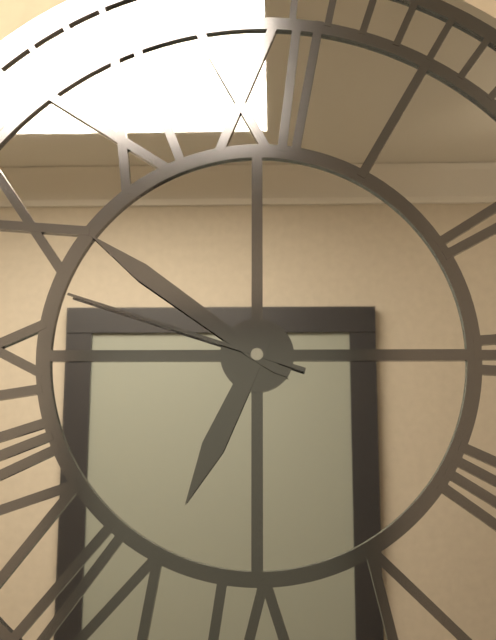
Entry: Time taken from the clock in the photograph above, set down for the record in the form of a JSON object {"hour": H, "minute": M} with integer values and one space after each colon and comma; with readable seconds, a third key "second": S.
{"hour": 6, "minute": 51, "second": 48}
